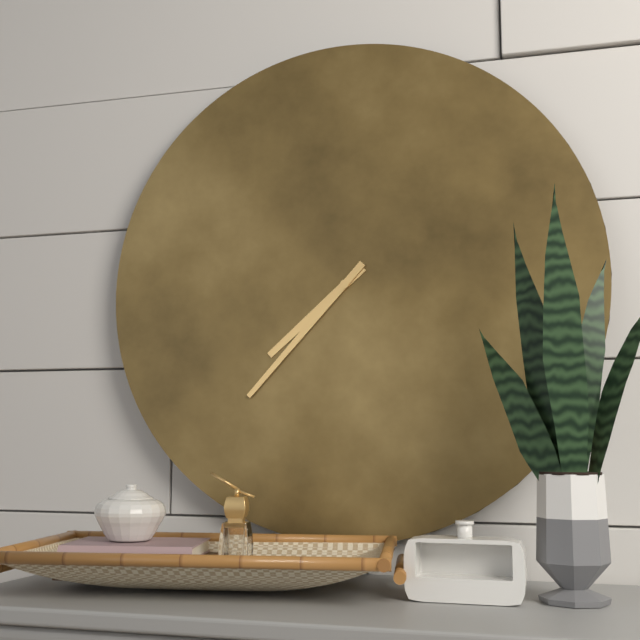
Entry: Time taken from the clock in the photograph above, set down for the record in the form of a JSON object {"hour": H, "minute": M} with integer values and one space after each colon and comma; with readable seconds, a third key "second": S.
{"hour": 7, "minute": 37}
